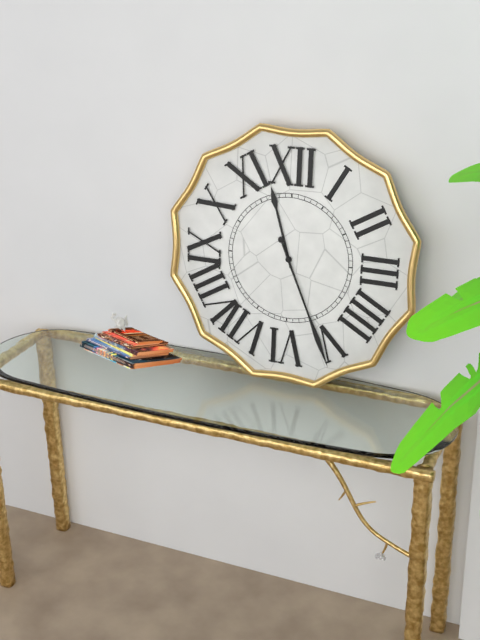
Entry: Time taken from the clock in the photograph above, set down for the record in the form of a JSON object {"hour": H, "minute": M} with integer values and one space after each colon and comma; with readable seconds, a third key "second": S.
{"hour": 11, "minute": 26}
